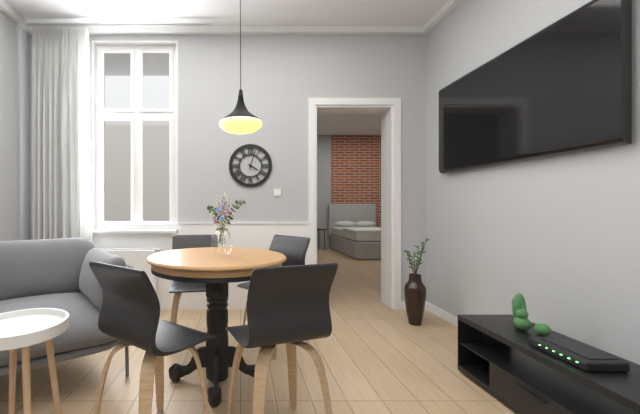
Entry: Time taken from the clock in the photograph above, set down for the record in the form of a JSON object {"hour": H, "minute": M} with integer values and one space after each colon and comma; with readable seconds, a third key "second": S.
{"hour": 4, "minute": 3}
